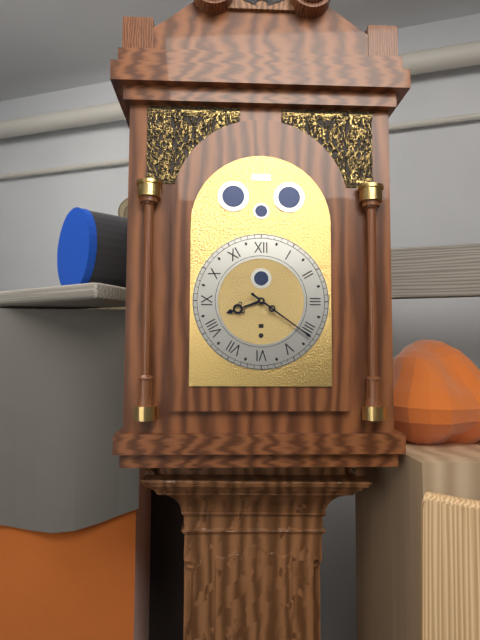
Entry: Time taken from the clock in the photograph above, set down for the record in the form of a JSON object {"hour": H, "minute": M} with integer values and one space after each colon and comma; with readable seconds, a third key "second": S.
{"hour": 8, "minute": 21}
